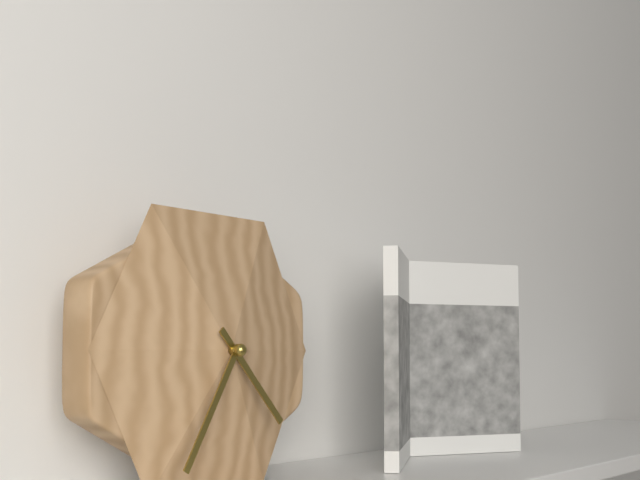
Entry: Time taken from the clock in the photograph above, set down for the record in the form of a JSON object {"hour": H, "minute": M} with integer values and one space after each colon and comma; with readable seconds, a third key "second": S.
{"hour": 4, "minute": 35}
